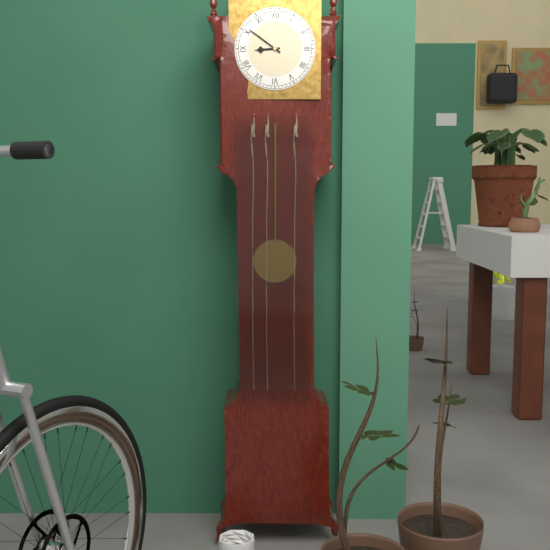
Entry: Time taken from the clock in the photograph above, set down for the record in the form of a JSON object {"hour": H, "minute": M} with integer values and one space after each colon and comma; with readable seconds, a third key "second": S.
{"hour": 8, "minute": 51}
